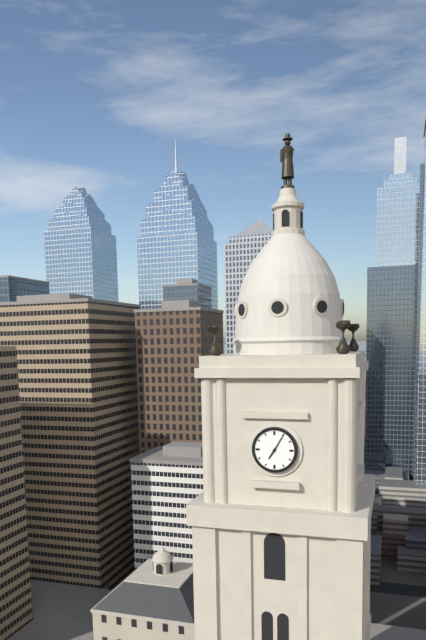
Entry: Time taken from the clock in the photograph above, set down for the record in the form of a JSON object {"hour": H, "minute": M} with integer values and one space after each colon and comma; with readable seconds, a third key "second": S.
{"hour": 7, "minute": 5}
